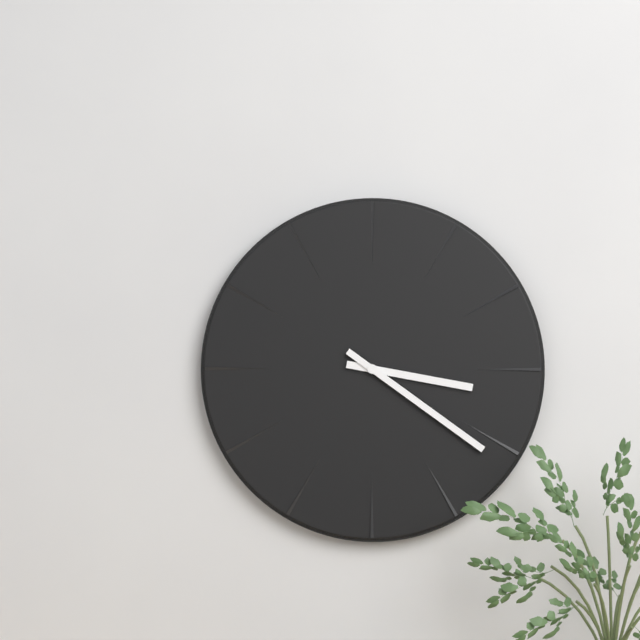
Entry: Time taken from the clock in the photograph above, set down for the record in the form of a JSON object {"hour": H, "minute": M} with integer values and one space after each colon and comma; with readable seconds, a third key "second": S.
{"hour": 3, "minute": 21}
